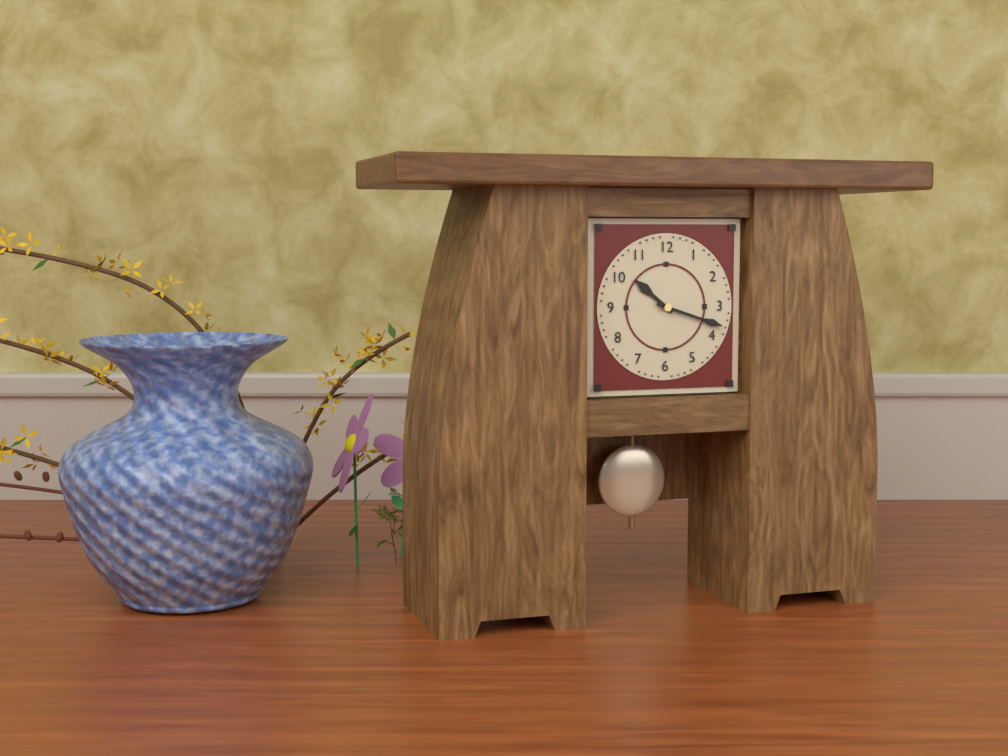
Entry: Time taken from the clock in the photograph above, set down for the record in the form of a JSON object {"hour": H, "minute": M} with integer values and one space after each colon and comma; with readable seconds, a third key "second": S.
{"hour": 10, "minute": 18}
